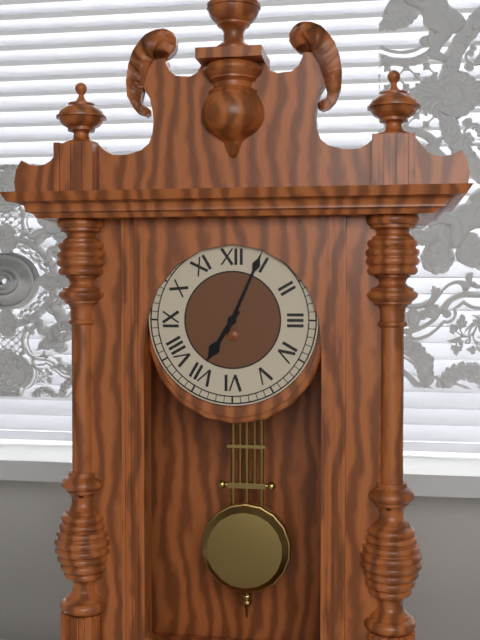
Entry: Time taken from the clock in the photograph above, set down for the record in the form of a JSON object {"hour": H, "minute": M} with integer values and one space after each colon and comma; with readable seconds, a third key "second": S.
{"hour": 7, "minute": 4}
